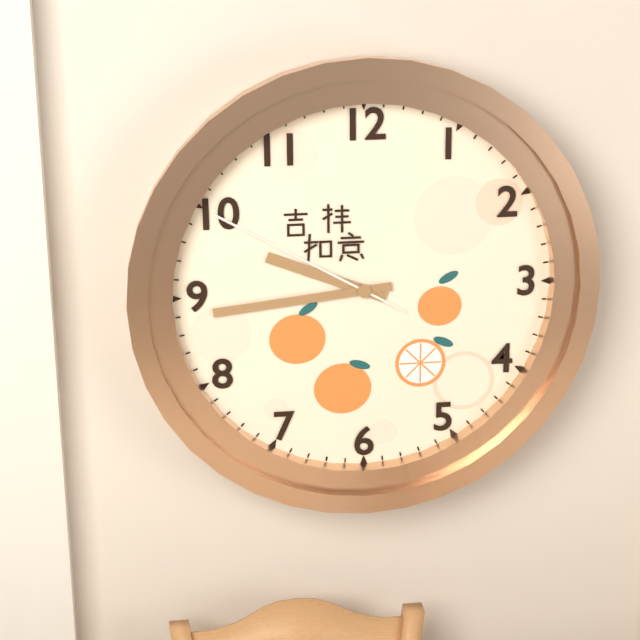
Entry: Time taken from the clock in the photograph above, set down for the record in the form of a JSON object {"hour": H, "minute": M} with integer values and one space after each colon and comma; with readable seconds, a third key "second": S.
{"hour": 9, "minute": 44, "second": 50}
